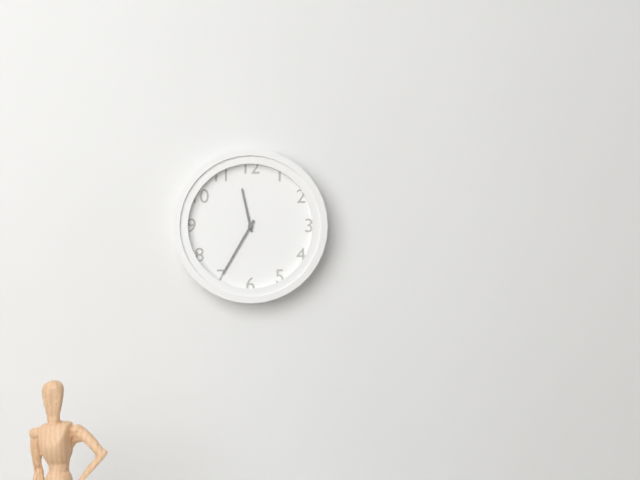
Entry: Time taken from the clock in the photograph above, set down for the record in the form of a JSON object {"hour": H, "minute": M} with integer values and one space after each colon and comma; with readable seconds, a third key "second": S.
{"hour": 11, "minute": 35}
